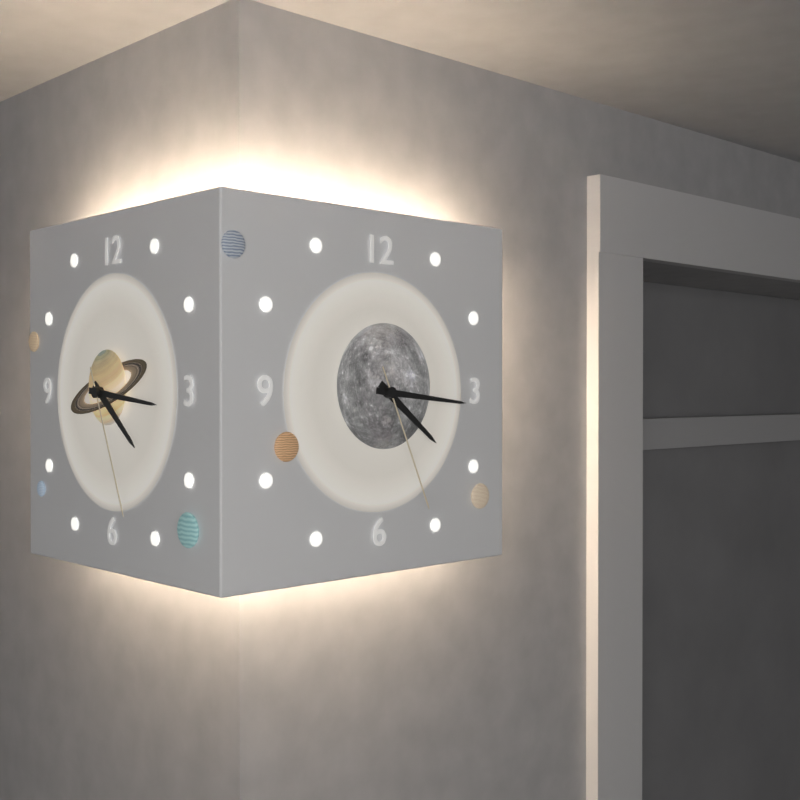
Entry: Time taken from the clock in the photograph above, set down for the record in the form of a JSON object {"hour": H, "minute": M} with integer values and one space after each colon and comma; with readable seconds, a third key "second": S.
{"hour": 4, "minute": 16, "second": 26}
